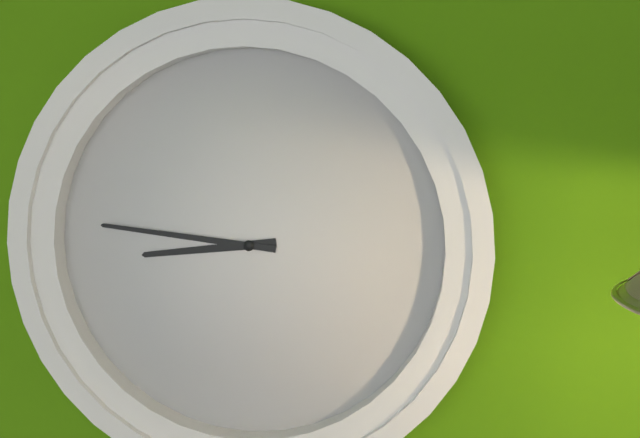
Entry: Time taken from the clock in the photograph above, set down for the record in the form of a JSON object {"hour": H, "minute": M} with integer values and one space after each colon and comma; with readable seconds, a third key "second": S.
{"hour": 8, "minute": 46}
